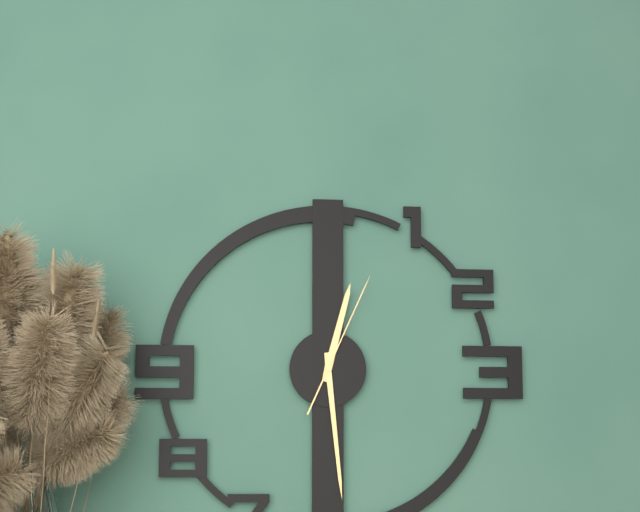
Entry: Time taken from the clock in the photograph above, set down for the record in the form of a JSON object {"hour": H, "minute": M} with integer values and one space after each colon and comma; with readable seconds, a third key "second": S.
{"hour": 12, "minute": 29, "second": 4}
